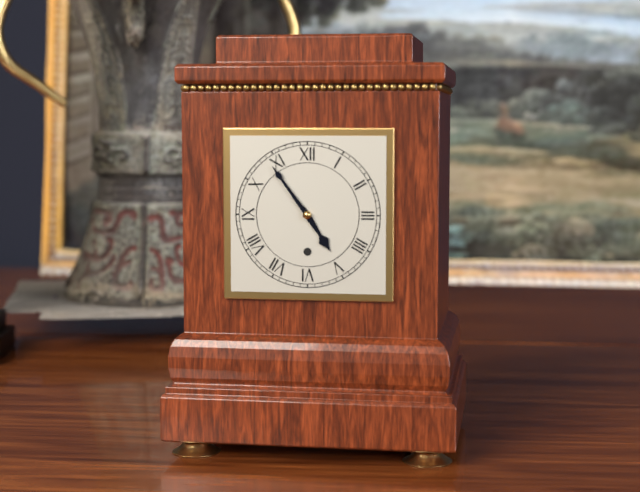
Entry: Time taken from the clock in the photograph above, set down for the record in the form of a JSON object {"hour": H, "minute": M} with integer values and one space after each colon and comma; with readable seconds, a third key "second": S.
{"hour": 4, "minute": 54}
